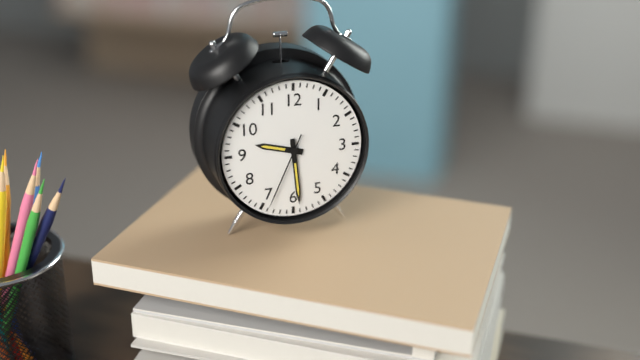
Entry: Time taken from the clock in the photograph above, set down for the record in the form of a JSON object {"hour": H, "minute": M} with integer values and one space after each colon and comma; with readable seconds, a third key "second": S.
{"hour": 9, "minute": 29, "second": 34}
